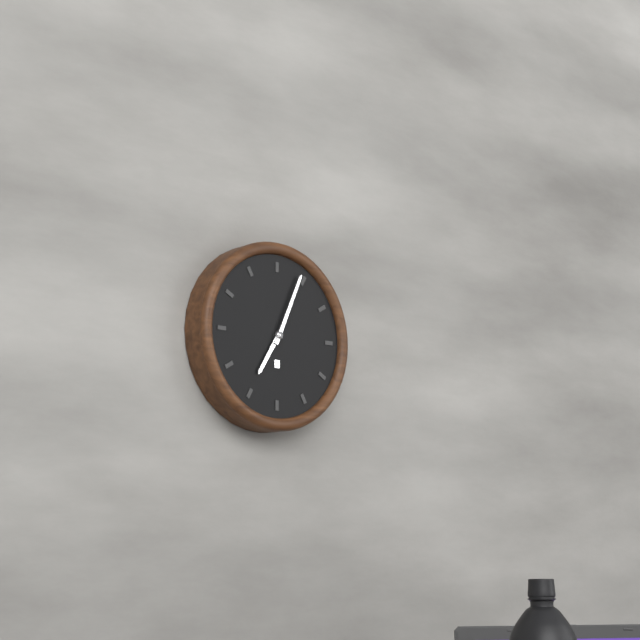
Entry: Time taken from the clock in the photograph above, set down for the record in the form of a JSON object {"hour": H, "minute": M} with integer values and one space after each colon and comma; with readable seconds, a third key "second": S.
{"hour": 7, "minute": 4}
